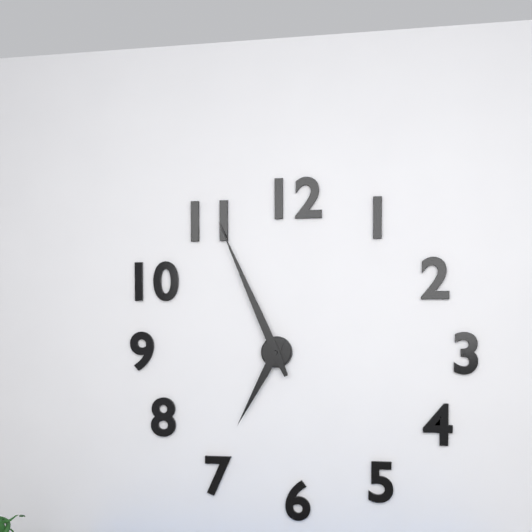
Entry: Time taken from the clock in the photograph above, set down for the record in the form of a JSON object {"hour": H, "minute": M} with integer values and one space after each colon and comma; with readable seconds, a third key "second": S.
{"hour": 6, "minute": 56}
